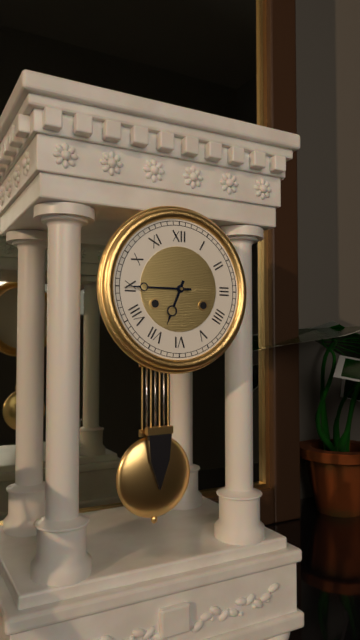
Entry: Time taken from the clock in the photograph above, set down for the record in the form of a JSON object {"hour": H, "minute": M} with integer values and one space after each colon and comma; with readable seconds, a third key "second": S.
{"hour": 6, "minute": 45}
